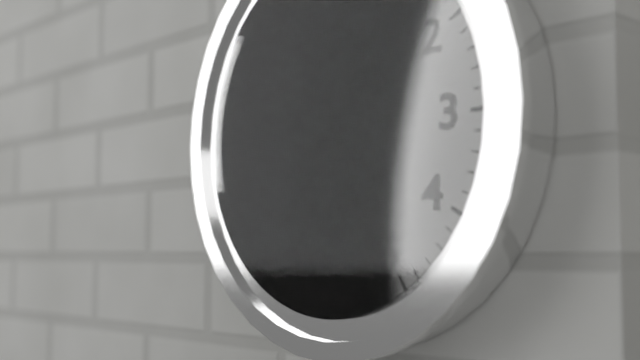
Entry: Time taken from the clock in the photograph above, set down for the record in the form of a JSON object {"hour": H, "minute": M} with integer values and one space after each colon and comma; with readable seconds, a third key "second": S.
{"hour": 10, "minute": 49}
